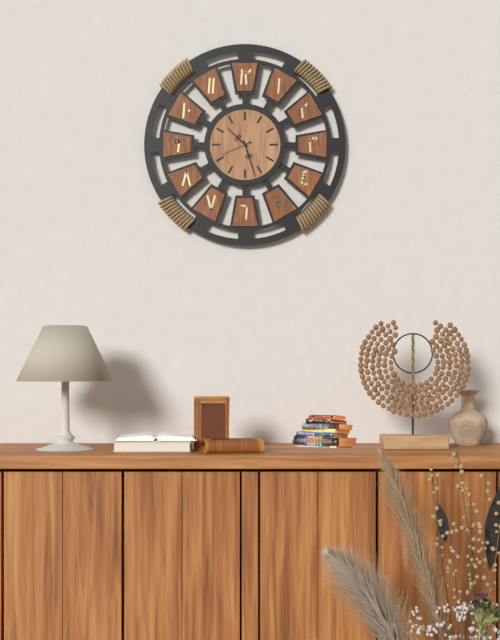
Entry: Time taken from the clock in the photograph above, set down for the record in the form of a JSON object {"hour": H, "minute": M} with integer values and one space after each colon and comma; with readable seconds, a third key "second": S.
{"hour": 10, "minute": 27}
